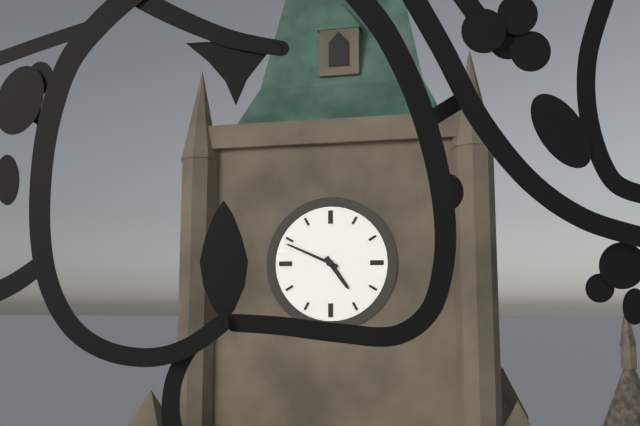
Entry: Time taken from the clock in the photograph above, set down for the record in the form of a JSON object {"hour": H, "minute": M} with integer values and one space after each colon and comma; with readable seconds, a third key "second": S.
{"hour": 4, "minute": 49}
